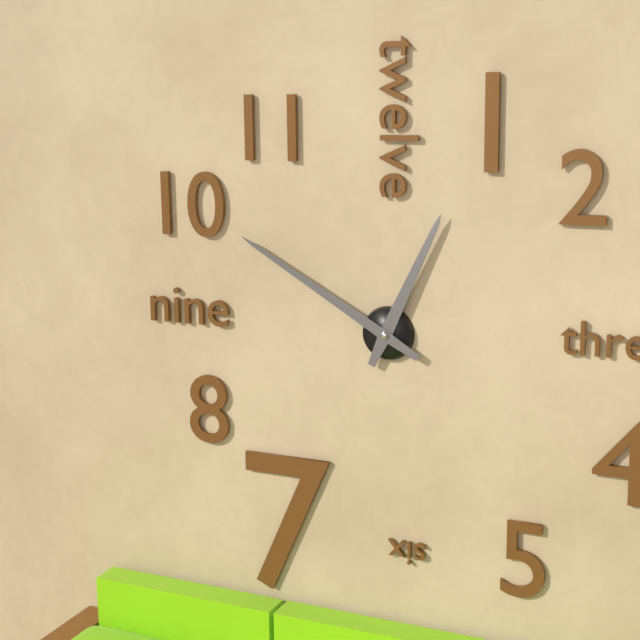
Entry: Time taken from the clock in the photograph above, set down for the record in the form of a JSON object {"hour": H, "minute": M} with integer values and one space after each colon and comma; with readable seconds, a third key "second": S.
{"hour": 12, "minute": 50}
